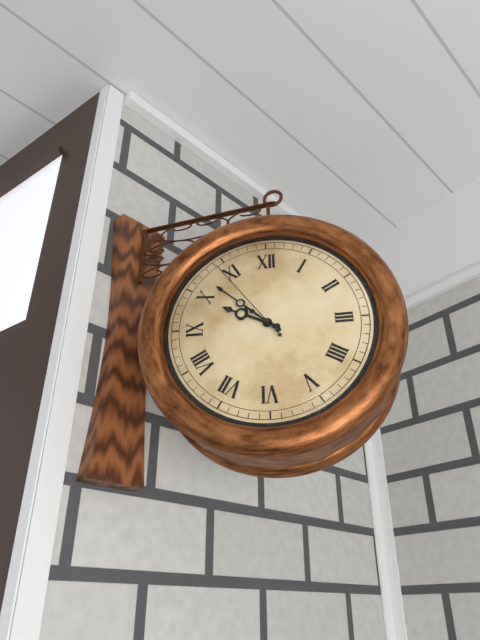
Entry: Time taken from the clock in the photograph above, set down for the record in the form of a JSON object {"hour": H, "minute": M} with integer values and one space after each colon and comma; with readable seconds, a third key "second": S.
{"hour": 9, "minute": 52, "second": 54}
